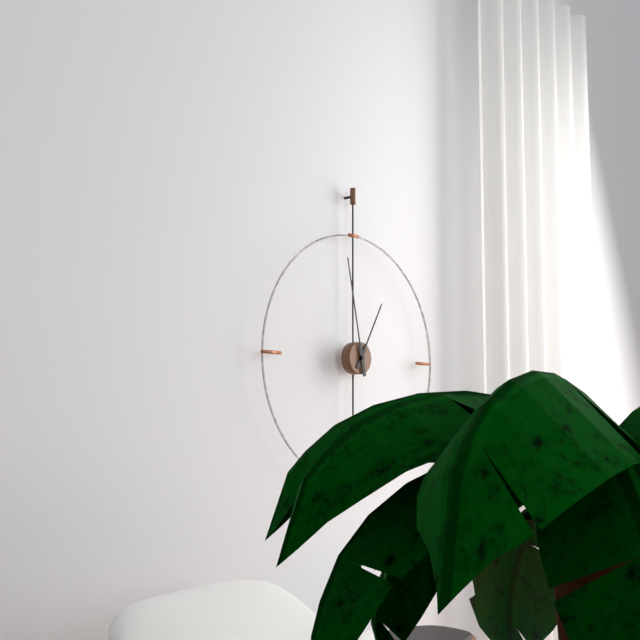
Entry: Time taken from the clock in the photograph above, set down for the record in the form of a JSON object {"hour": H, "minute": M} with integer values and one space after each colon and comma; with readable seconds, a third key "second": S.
{"hour": 12, "minute": 58}
